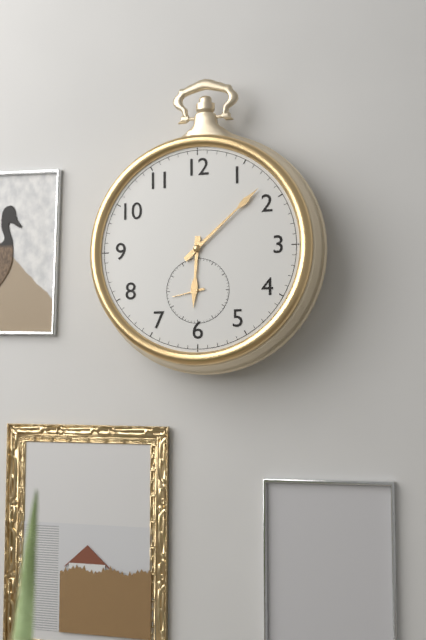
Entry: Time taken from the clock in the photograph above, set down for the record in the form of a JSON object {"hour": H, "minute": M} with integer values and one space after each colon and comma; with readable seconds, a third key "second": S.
{"hour": 6, "minute": 8}
